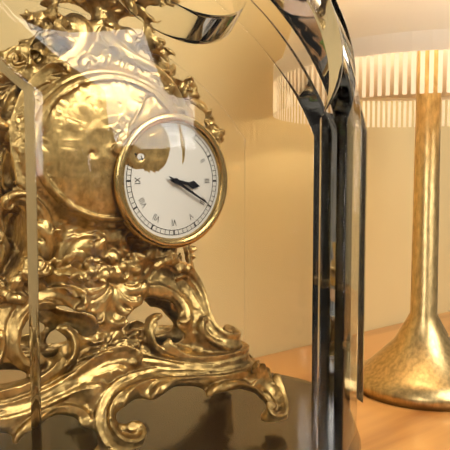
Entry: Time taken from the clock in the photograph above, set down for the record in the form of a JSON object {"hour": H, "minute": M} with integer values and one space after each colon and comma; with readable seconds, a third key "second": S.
{"hour": 3, "minute": 20}
